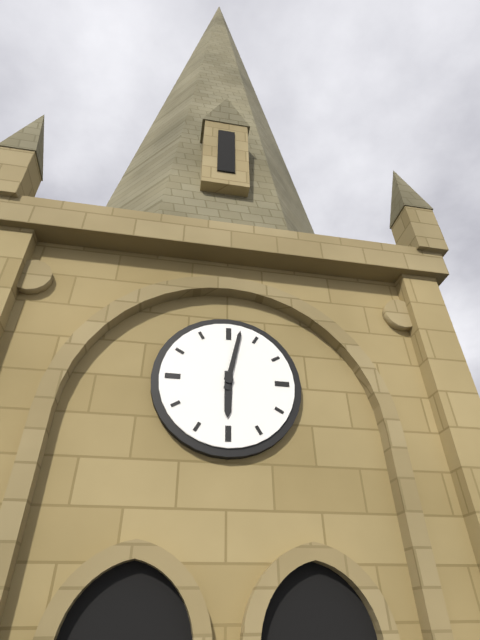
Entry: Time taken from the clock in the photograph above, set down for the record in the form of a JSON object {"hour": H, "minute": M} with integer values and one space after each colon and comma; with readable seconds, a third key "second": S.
{"hour": 6, "minute": 2}
